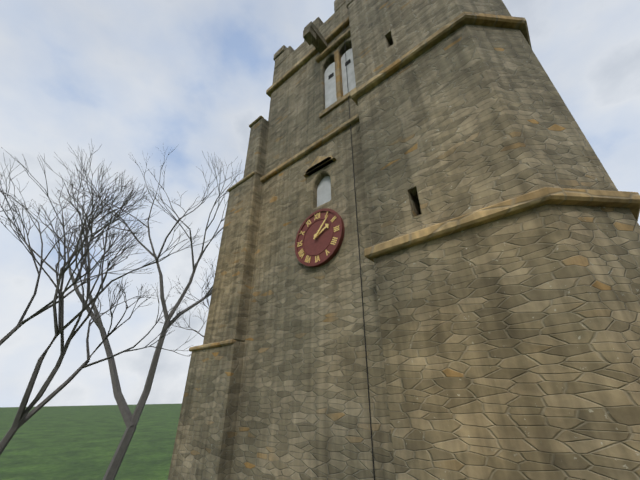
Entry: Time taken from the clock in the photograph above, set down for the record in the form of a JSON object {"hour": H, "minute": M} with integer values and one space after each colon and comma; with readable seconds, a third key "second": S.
{"hour": 2, "minute": 7}
